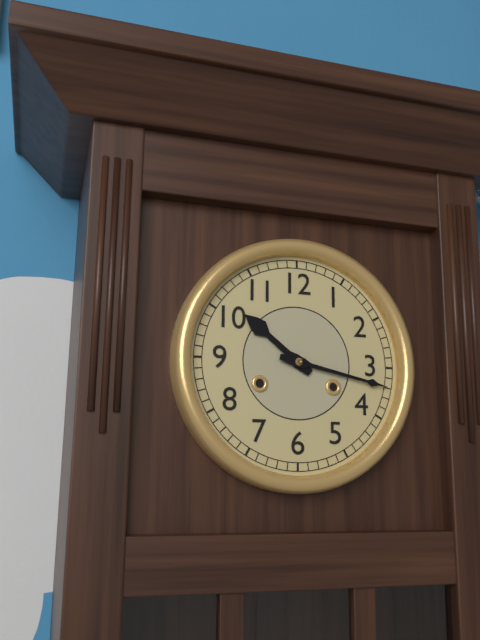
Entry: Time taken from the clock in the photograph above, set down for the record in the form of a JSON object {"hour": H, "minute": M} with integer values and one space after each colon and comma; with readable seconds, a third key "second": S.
{"hour": 10, "minute": 17}
